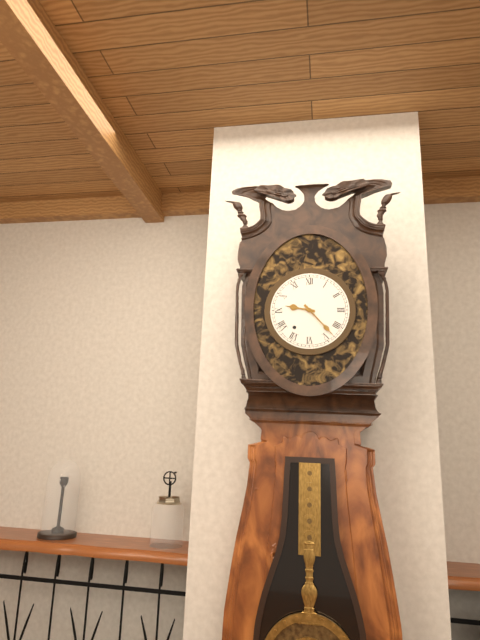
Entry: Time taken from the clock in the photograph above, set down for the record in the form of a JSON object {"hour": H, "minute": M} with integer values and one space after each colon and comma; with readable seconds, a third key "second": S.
{"hour": 9, "minute": 23}
